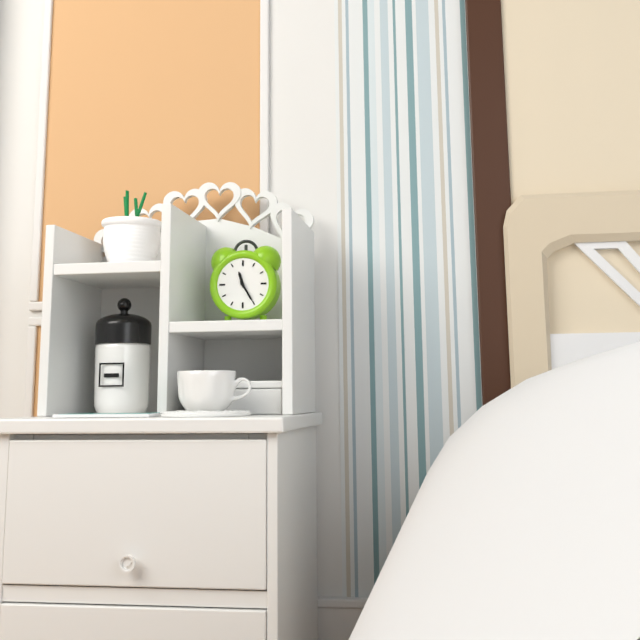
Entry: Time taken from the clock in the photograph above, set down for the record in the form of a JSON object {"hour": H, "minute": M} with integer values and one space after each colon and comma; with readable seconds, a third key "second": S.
{"hour": 11, "minute": 25}
